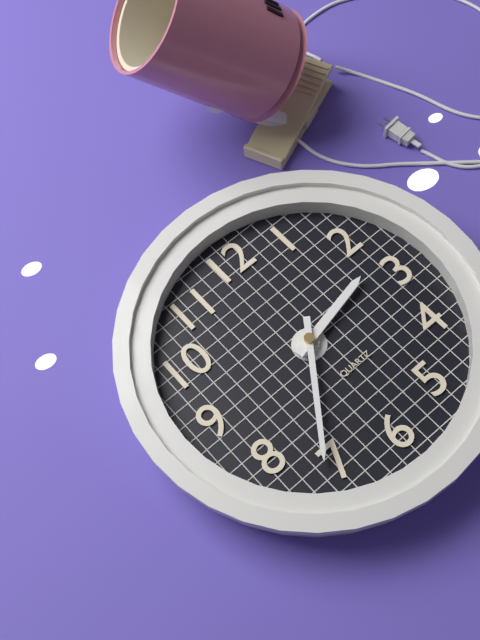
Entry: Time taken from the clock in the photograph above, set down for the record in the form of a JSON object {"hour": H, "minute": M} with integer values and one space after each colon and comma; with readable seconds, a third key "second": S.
{"hour": 2, "minute": 36}
